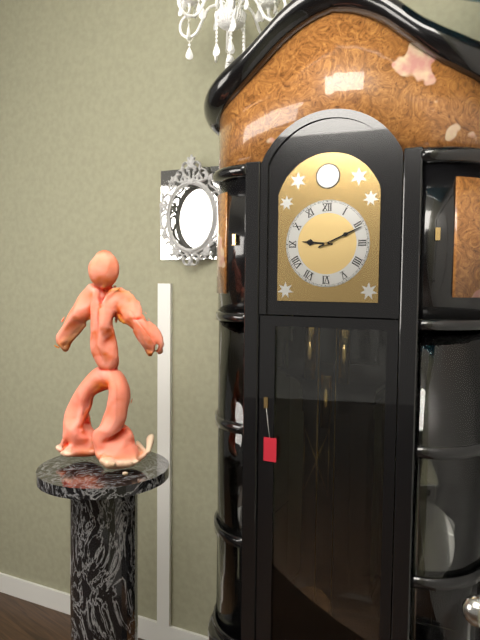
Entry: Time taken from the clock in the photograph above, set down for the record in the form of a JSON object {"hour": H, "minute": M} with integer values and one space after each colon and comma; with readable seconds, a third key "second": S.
{"hour": 9, "minute": 11}
